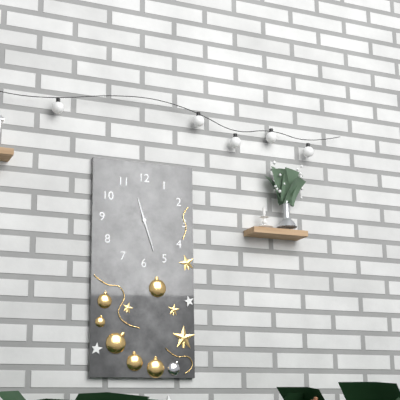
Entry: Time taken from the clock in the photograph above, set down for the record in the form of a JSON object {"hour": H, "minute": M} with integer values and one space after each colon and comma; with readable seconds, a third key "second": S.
{"hour": 11, "minute": 27}
